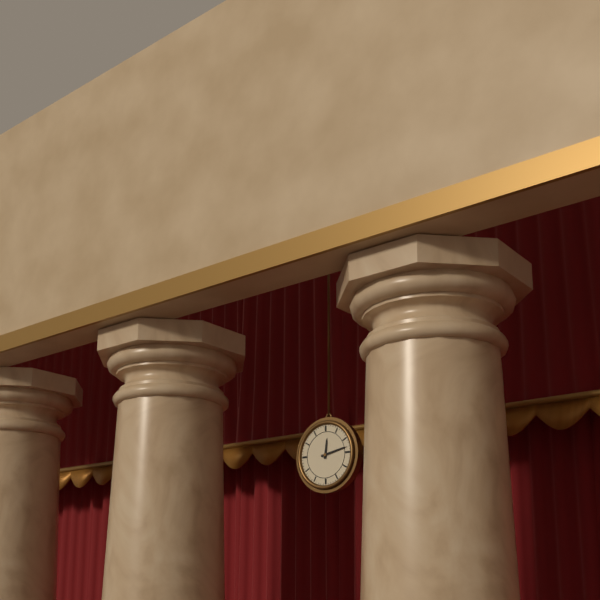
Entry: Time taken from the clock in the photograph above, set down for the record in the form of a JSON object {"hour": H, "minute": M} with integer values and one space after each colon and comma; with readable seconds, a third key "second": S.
{"hour": 12, "minute": 13}
